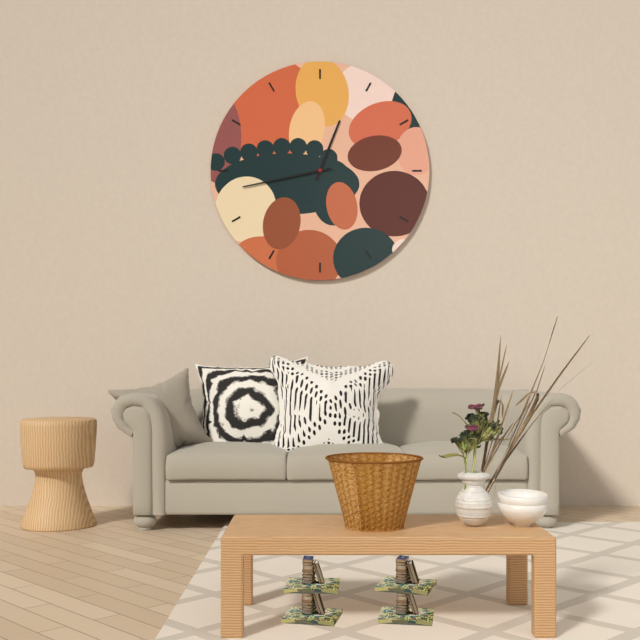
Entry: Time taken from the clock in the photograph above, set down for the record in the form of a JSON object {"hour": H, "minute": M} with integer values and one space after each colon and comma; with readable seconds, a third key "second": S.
{"hour": 12, "minute": 43}
